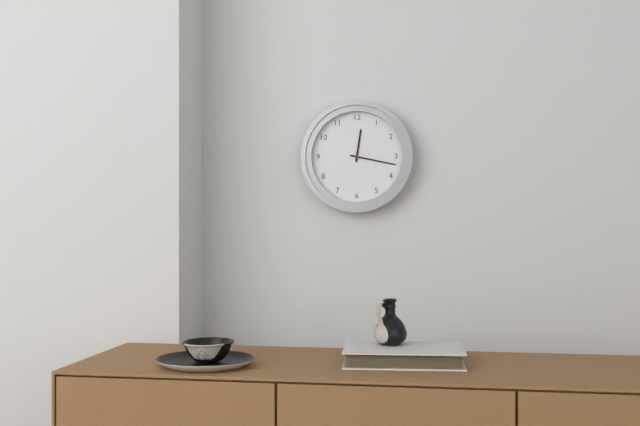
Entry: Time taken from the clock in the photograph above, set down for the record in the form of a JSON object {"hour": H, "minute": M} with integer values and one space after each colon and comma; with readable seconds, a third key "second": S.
{"hour": 12, "minute": 17}
